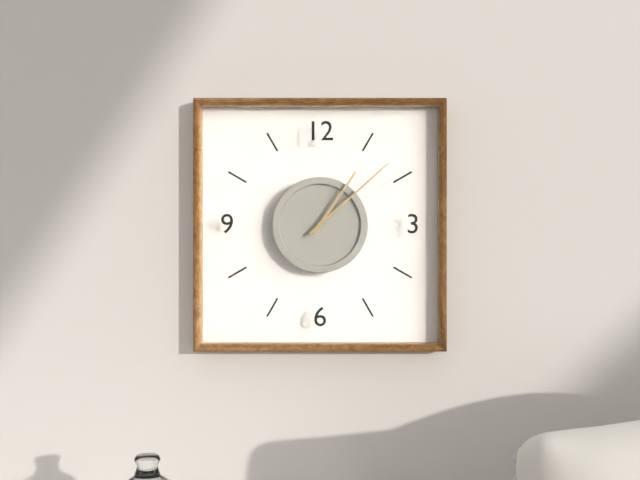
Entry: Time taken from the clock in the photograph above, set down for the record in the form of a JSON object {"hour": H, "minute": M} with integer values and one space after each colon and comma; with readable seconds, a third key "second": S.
{"hour": 1, "minute": 8}
